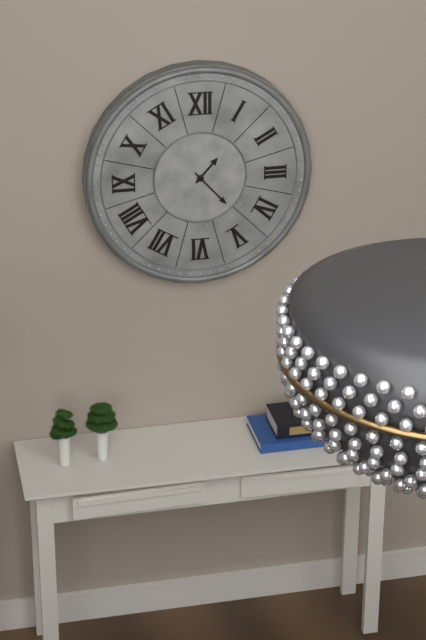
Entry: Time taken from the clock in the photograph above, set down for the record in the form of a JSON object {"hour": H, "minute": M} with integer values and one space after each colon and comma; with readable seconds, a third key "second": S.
{"hour": 1, "minute": 23}
